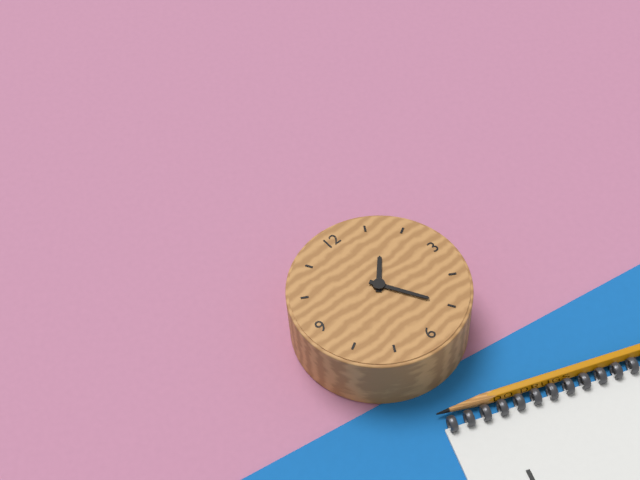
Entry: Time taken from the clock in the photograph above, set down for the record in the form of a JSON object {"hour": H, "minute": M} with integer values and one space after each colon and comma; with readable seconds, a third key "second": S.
{"hour": 1, "minute": 25}
